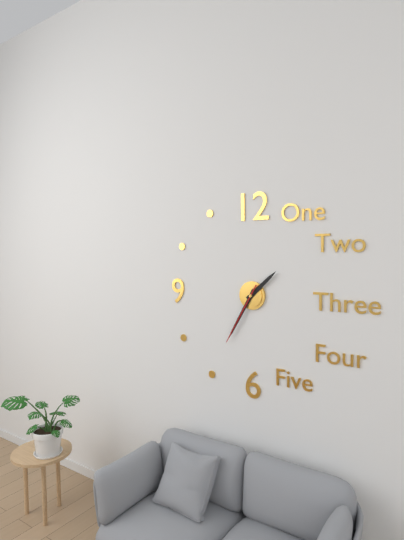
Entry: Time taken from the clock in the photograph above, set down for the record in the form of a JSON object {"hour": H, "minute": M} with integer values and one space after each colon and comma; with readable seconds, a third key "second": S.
{"hour": 1, "minute": 35, "second": 35}
